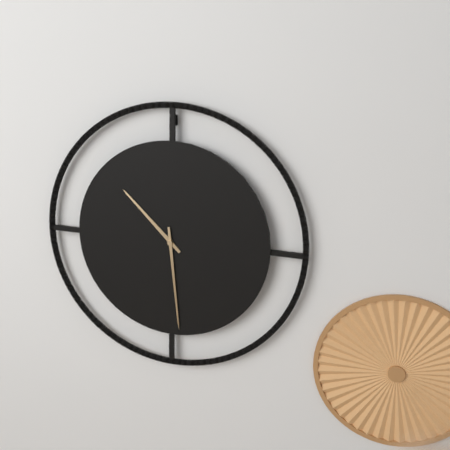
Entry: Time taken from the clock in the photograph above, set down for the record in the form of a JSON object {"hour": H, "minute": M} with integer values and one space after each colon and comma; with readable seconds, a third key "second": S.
{"hour": 10, "minute": 29}
